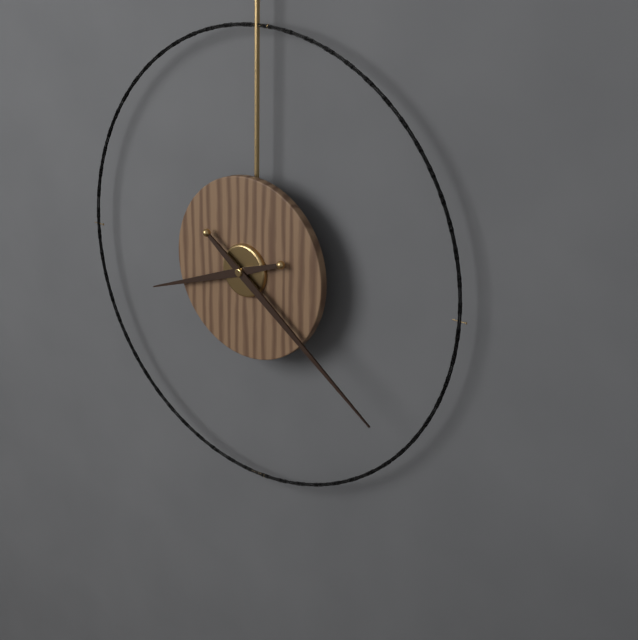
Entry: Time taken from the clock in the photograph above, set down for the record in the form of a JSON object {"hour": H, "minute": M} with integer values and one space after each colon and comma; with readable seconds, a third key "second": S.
{"hour": 8, "minute": 21}
